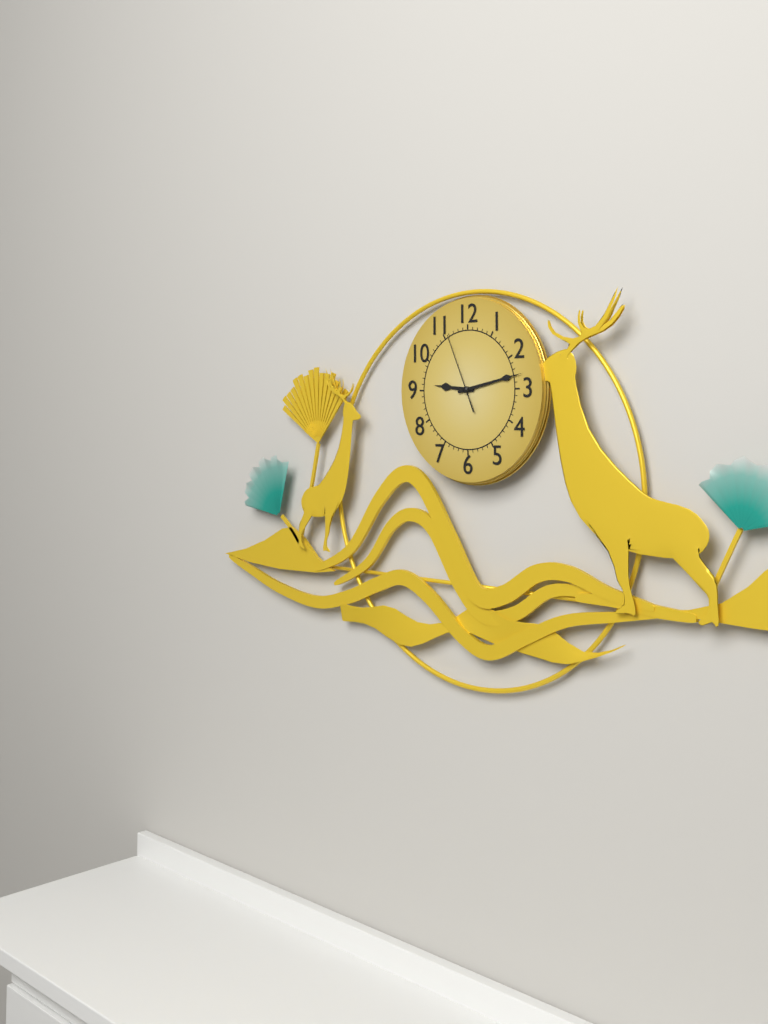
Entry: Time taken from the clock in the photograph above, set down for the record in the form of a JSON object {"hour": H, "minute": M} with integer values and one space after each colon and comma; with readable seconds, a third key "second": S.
{"hour": 9, "minute": 13, "second": 56}
